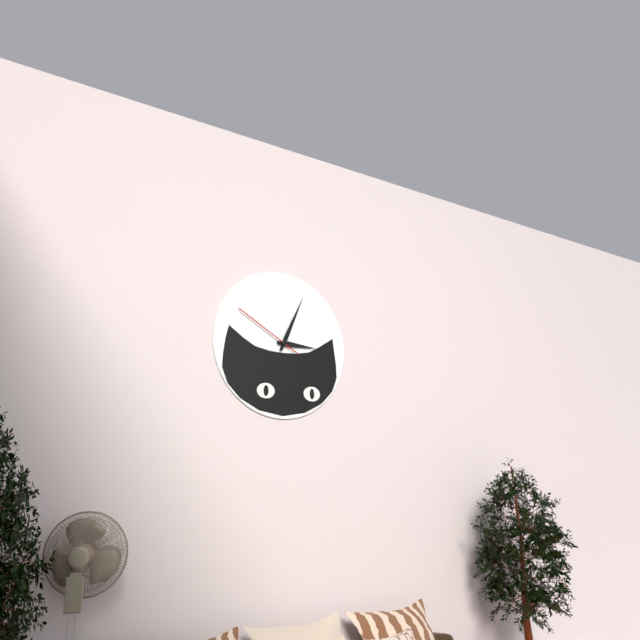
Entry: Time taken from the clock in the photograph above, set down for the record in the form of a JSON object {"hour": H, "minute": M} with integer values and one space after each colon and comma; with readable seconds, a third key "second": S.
{"hour": 3, "minute": 4, "second": 50}
